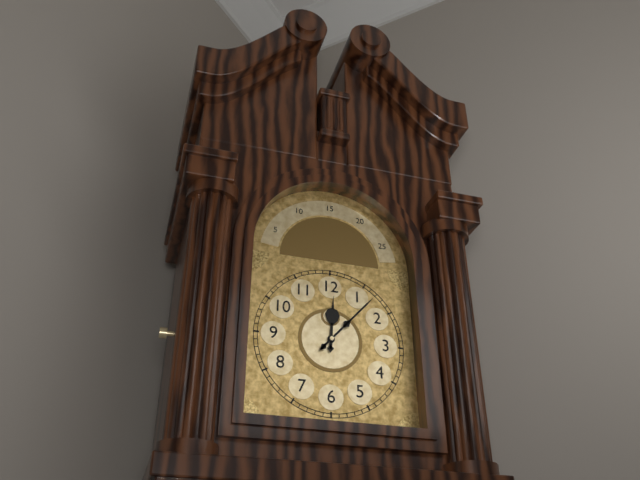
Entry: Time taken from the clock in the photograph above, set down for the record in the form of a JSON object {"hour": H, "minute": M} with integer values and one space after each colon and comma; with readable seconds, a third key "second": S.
{"hour": 12, "minute": 7}
